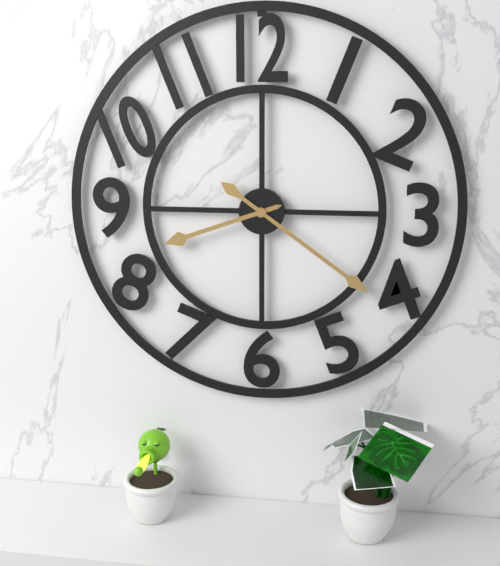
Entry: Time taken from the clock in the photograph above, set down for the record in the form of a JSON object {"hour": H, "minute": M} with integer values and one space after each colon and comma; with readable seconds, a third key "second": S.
{"hour": 8, "minute": 21}
